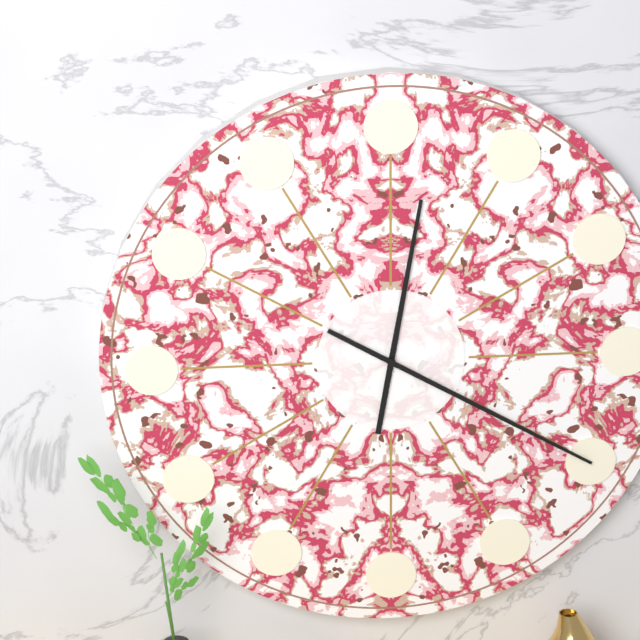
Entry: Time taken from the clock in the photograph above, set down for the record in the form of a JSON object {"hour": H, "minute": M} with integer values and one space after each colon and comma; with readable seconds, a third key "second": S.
{"hour": 12, "minute": 20}
